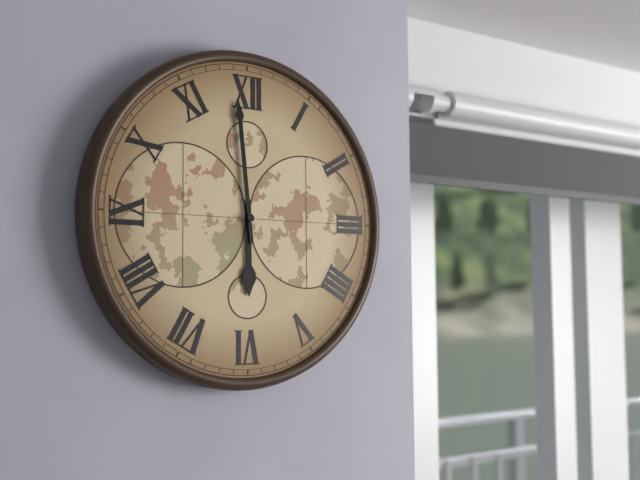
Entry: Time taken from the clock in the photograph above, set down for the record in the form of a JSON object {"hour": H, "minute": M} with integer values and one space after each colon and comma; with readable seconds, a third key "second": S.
{"hour": 5, "minute": 59}
